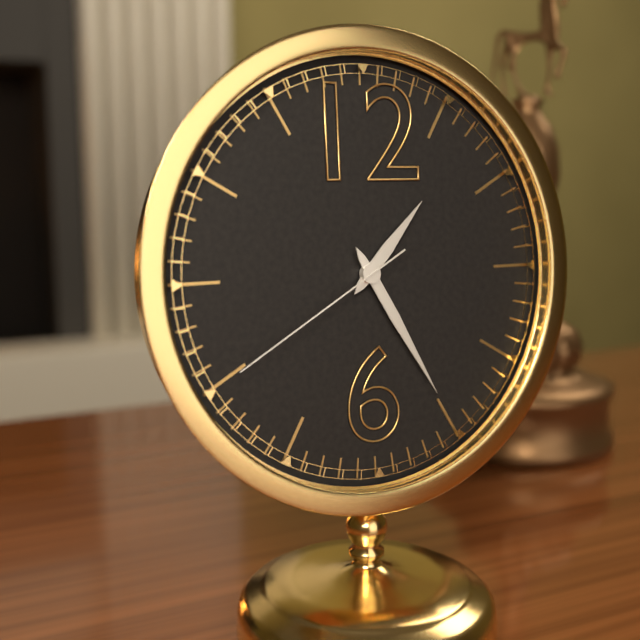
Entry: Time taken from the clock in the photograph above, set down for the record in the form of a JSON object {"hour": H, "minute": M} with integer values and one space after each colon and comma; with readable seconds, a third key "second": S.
{"hour": 1, "minute": 25, "second": 40}
